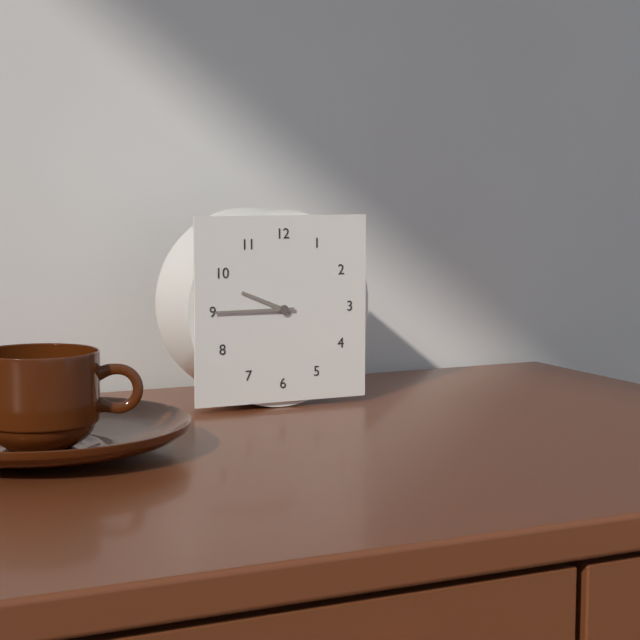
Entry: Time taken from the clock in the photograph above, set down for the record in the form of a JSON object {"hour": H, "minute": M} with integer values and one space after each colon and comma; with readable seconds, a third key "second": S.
{"hour": 9, "minute": 45}
